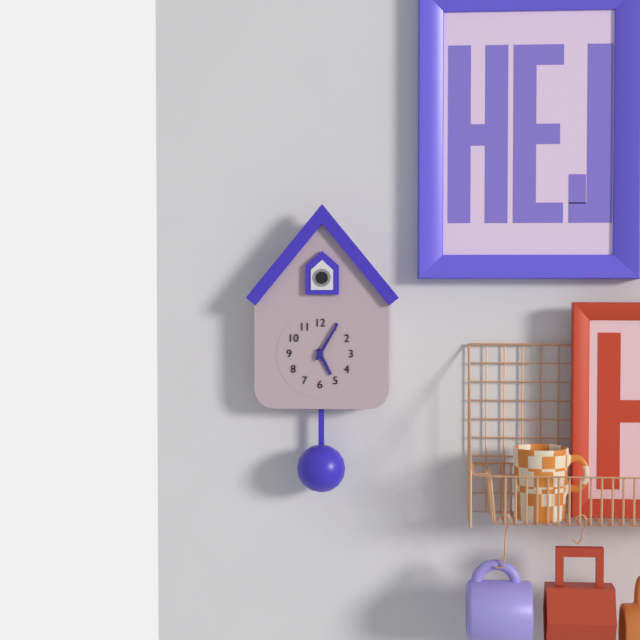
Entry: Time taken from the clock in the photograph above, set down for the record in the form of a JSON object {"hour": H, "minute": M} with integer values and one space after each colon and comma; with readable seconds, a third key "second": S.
{"hour": 5, "minute": 5}
